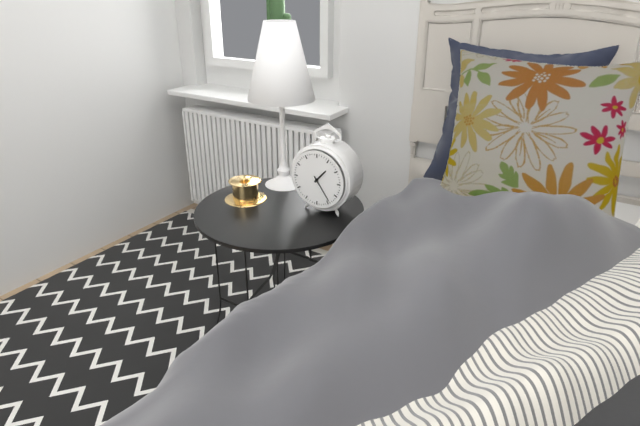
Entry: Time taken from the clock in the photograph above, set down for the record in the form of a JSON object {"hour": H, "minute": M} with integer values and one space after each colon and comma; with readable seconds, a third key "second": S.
{"hour": 1, "minute": 24}
